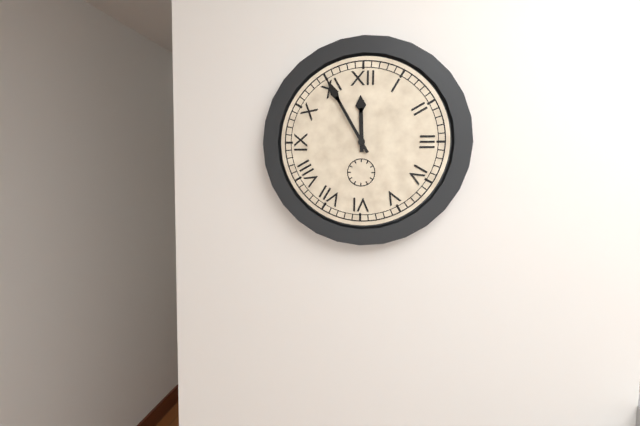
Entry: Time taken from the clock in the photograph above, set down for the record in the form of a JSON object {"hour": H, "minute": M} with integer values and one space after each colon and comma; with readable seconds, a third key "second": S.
{"hour": 11, "minute": 55}
